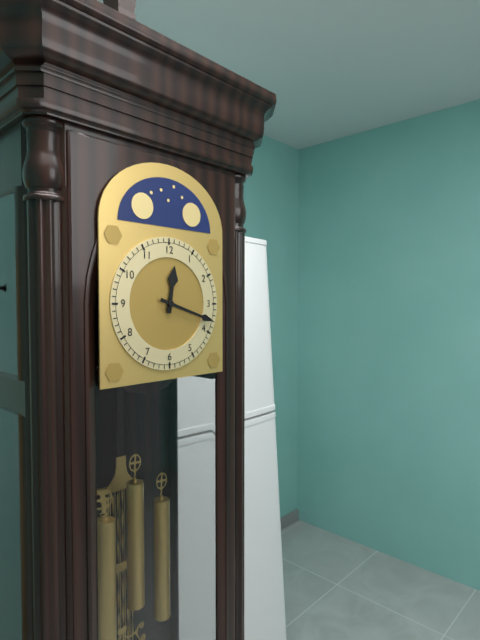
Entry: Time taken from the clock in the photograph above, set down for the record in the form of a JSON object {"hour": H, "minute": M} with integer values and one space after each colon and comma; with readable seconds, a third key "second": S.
{"hour": 12, "minute": 18}
